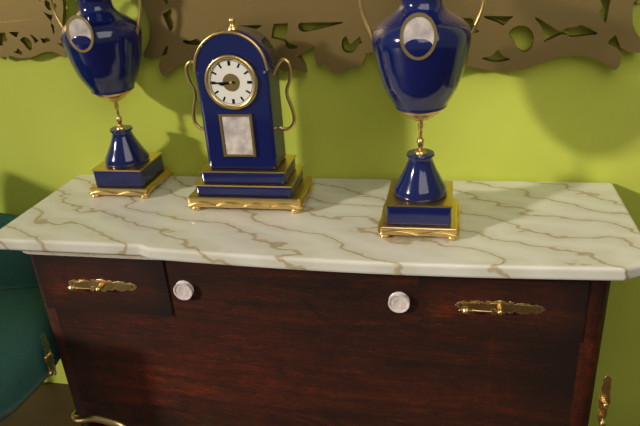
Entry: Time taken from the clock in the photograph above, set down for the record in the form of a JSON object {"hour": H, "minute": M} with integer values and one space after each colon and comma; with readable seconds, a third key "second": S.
{"hour": 8, "minute": 45}
